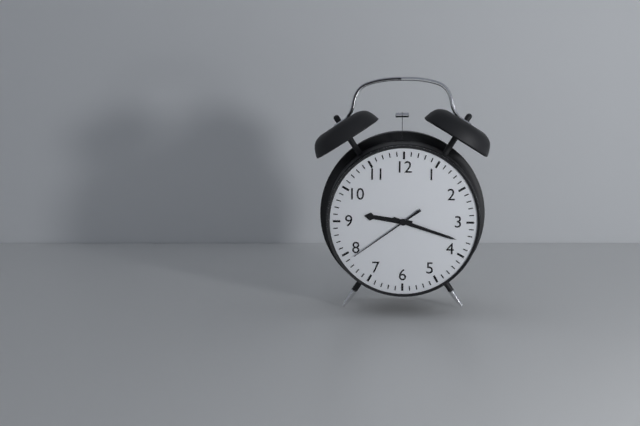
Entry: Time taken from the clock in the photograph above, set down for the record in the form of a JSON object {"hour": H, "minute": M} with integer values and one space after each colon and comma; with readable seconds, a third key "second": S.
{"hour": 9, "minute": 18, "second": 39}
